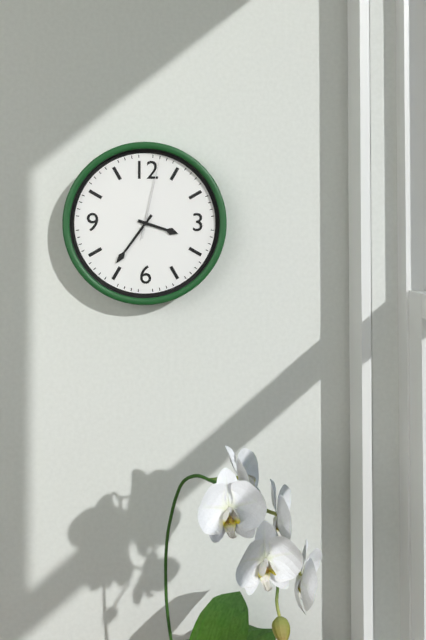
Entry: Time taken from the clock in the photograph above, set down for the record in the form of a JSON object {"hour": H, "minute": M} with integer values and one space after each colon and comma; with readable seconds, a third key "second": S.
{"hour": 3, "minute": 36, "second": 2}
